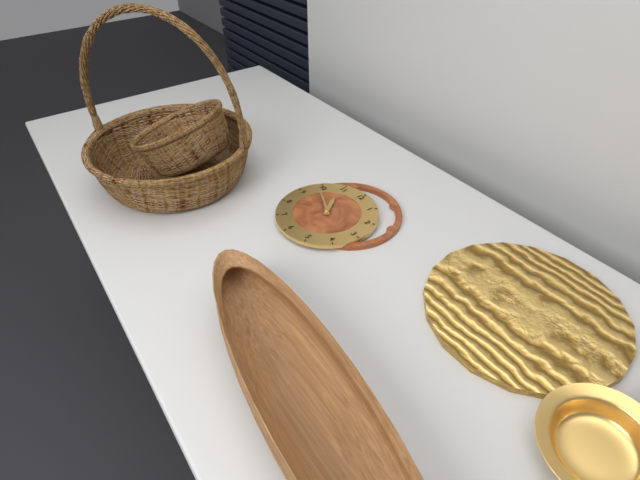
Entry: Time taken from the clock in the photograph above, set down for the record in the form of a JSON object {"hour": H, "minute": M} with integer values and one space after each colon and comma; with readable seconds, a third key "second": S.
{"hour": 10, "minute": 49}
